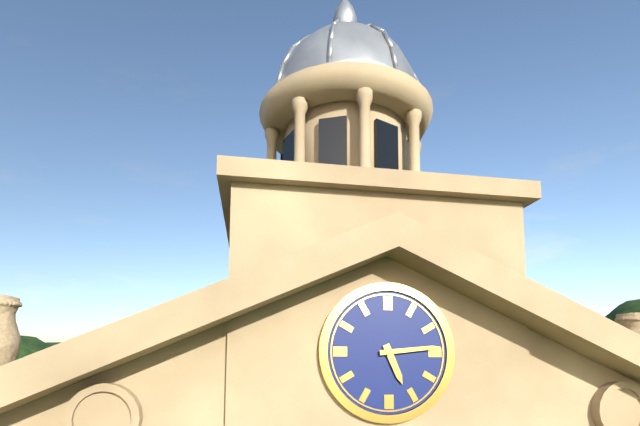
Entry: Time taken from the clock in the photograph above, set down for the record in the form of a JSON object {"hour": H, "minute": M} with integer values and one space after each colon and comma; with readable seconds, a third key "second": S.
{"hour": 5, "minute": 14}
